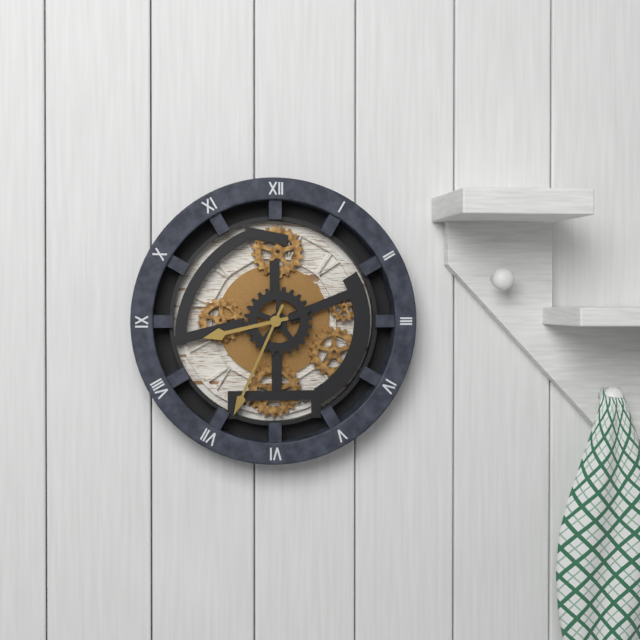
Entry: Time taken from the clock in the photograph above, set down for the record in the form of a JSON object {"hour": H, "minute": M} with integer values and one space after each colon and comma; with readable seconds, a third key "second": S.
{"hour": 8, "minute": 34}
